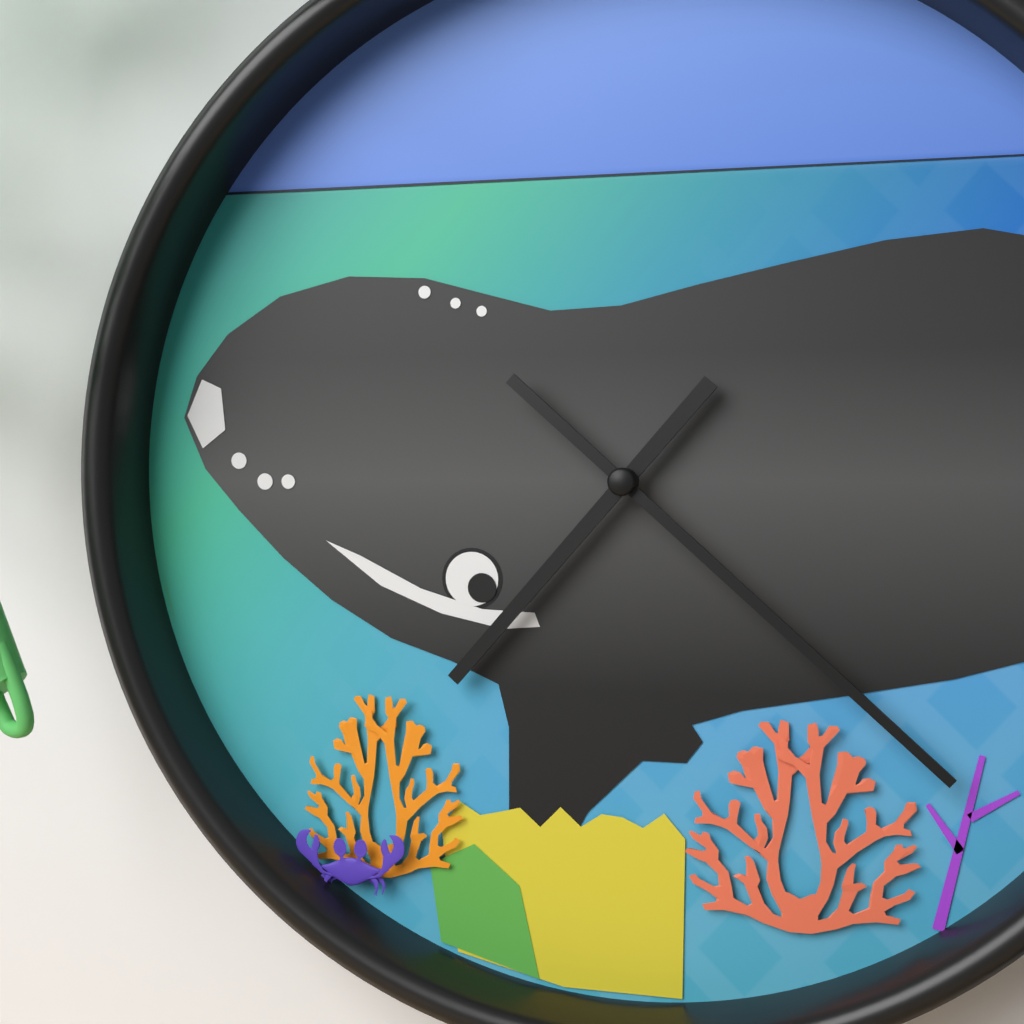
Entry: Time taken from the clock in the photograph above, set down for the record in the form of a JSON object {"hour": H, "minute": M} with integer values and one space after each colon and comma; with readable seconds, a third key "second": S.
{"hour": 7, "minute": 22}
